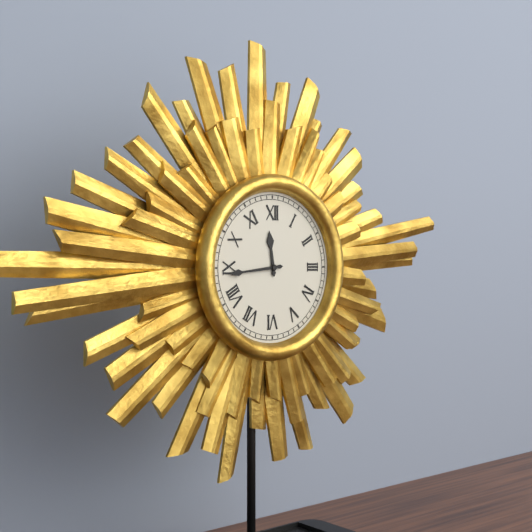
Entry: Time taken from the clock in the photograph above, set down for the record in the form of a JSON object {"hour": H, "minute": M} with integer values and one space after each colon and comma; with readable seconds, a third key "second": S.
{"hour": 11, "minute": 44}
